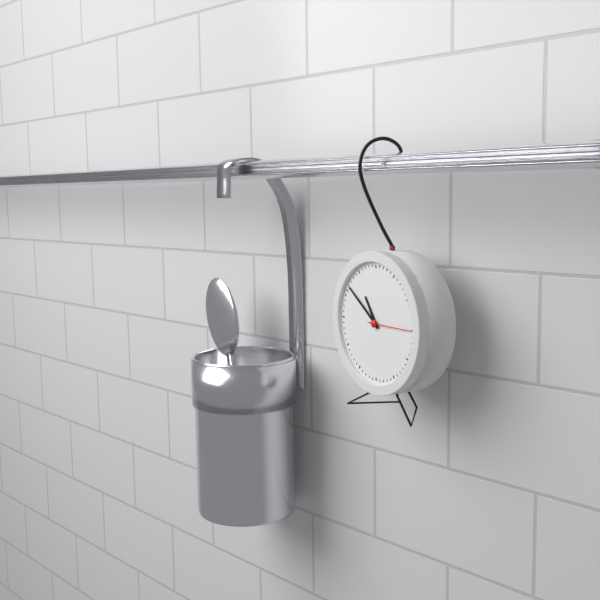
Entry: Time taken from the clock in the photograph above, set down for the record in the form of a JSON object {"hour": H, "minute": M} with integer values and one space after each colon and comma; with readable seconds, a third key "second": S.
{"hour": 10, "minute": 51}
